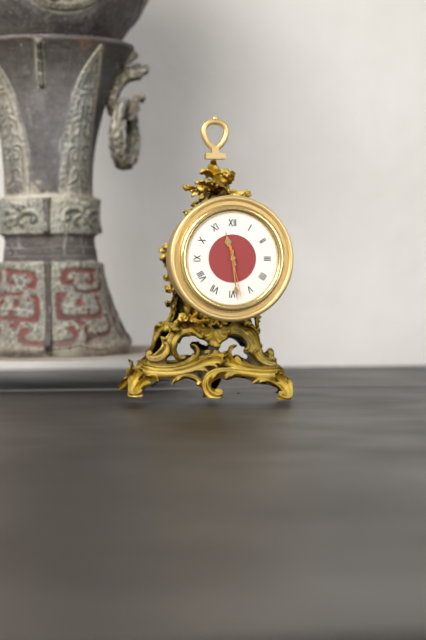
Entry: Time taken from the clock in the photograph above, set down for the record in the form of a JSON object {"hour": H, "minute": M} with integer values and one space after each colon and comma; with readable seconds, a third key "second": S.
{"hour": 11, "minute": 29, "second": 28}
